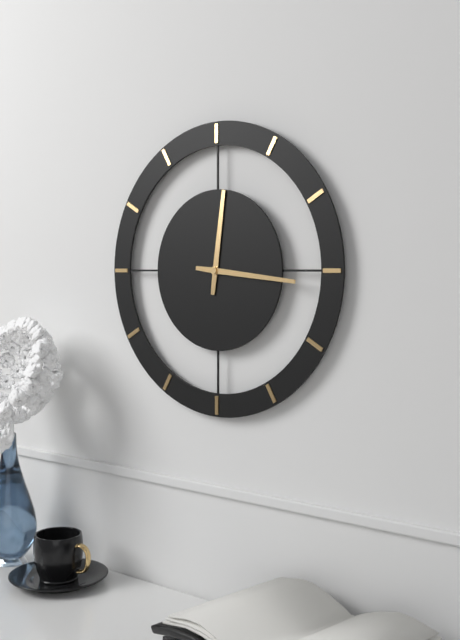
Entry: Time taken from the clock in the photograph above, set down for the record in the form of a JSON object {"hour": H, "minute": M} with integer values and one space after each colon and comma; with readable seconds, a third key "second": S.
{"hour": 12, "minute": 16}
